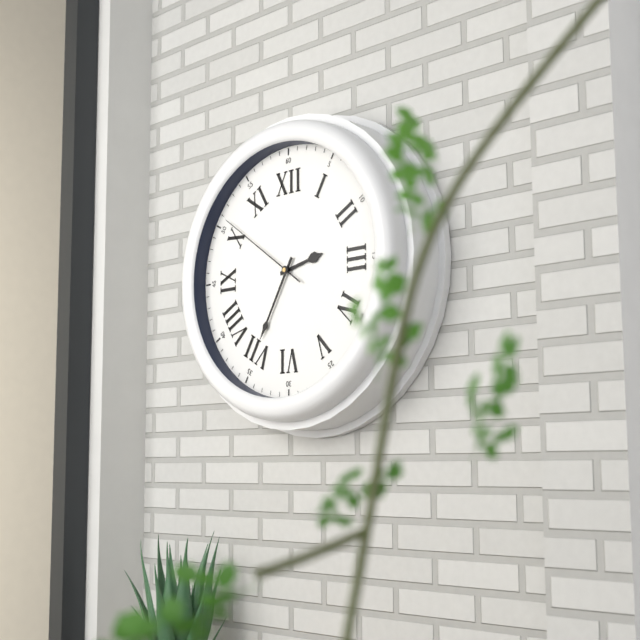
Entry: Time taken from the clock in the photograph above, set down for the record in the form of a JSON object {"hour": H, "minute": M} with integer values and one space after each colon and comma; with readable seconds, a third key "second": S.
{"hour": 2, "minute": 35, "second": 51}
